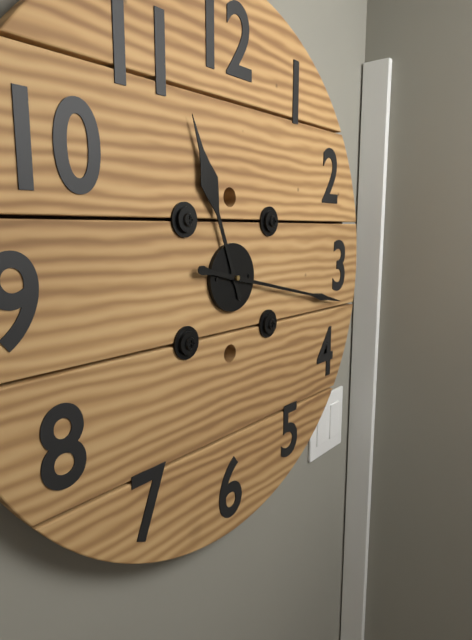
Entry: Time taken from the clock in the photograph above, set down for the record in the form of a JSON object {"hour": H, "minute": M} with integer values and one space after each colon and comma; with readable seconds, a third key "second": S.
{"hour": 11, "minute": 17}
